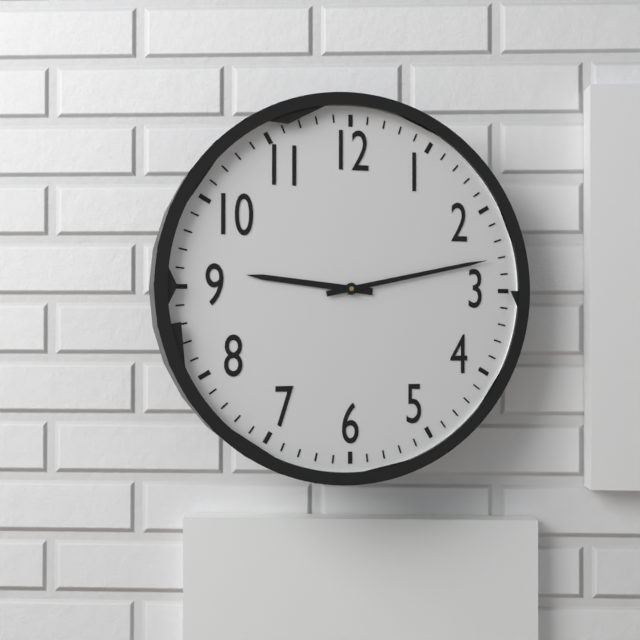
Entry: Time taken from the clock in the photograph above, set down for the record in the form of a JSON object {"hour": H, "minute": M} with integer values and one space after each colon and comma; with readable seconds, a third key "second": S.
{"hour": 9, "minute": 13}
